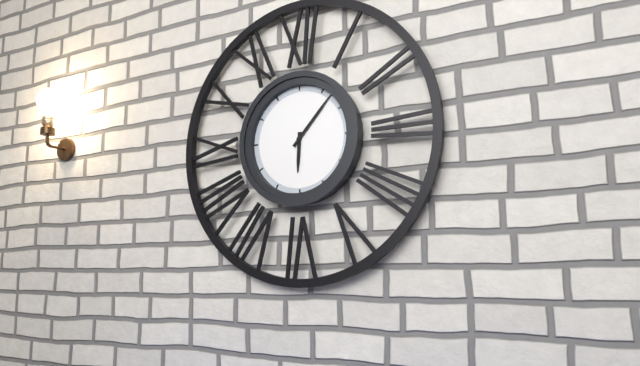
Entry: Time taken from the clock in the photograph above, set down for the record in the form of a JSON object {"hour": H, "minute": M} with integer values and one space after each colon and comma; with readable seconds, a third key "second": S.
{"hour": 6, "minute": 7}
